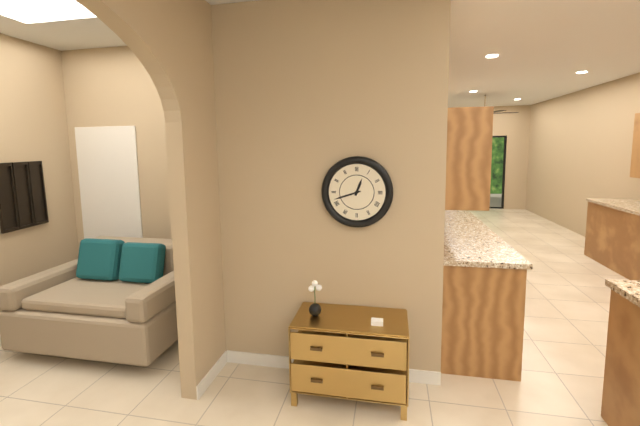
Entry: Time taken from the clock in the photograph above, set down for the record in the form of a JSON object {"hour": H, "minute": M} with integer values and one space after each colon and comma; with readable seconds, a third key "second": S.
{"hour": 12, "minute": 42}
